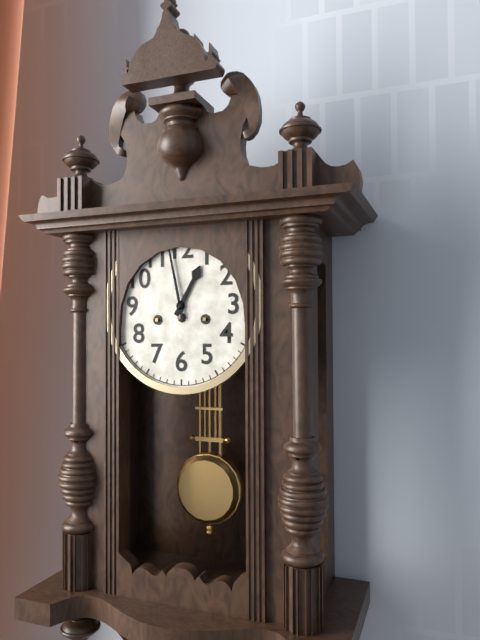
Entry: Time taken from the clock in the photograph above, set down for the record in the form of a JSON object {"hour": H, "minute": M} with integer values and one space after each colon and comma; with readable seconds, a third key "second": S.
{"hour": 12, "minute": 58}
